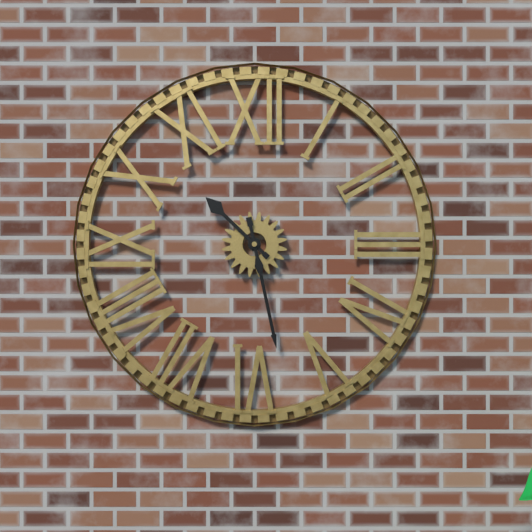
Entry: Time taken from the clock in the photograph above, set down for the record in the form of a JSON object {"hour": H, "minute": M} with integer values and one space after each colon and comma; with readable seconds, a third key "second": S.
{"hour": 10, "minute": 28}
